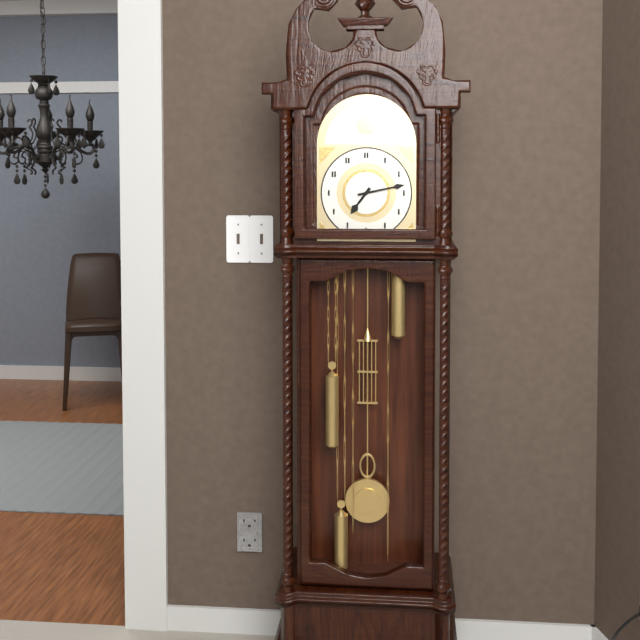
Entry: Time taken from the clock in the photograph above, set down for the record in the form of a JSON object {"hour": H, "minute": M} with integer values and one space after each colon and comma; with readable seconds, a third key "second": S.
{"hour": 7, "minute": 13}
